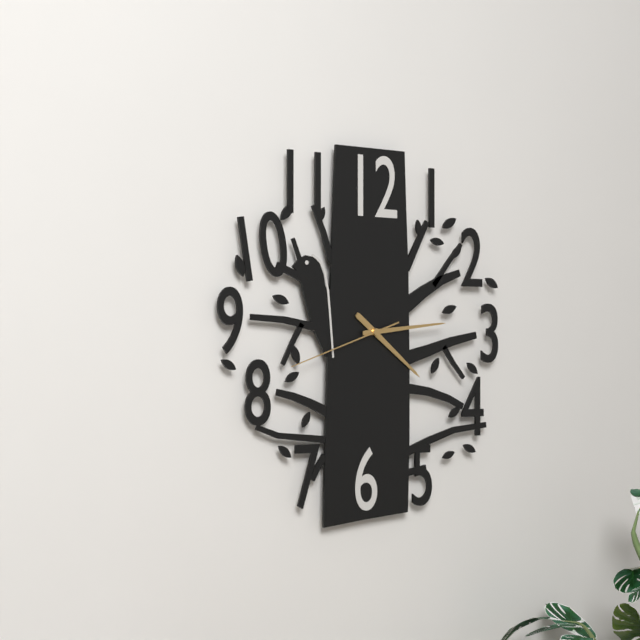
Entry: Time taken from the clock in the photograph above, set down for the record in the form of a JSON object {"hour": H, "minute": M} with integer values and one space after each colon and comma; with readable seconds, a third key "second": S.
{"hour": 4, "minute": 14, "second": 42}
